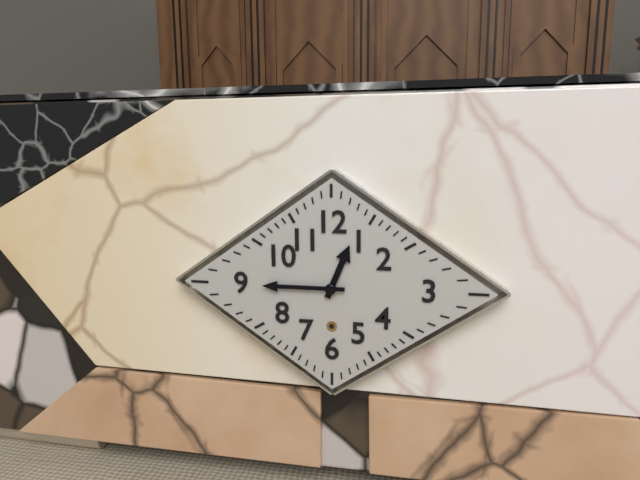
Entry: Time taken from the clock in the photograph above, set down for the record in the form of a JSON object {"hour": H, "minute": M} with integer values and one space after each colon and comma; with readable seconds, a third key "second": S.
{"hour": 12, "minute": 45}
